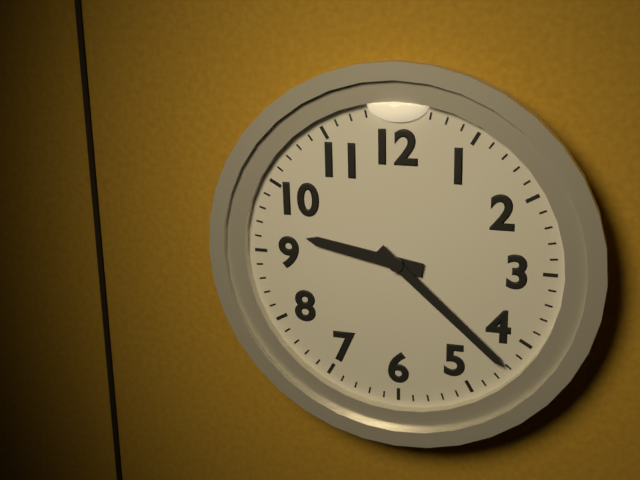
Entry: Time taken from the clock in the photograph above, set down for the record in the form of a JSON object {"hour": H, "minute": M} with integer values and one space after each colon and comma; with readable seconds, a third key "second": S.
{"hour": 9, "minute": 22}
